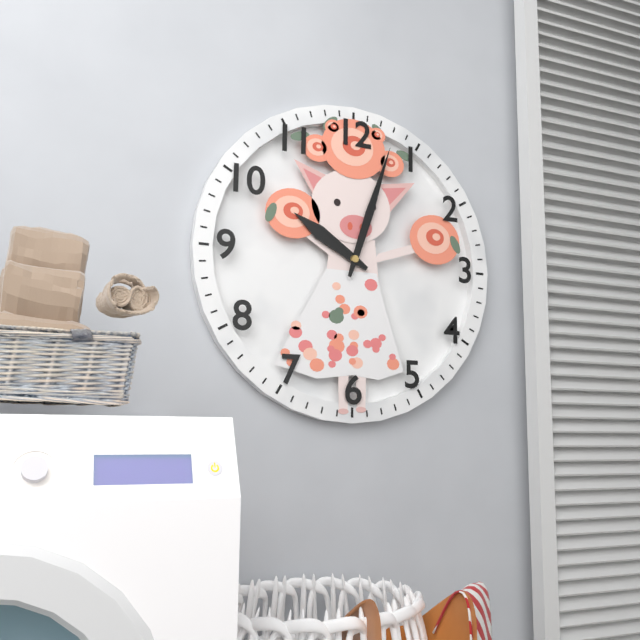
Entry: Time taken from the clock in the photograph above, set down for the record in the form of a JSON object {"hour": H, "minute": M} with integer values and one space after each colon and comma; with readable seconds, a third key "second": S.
{"hour": 10, "minute": 3}
